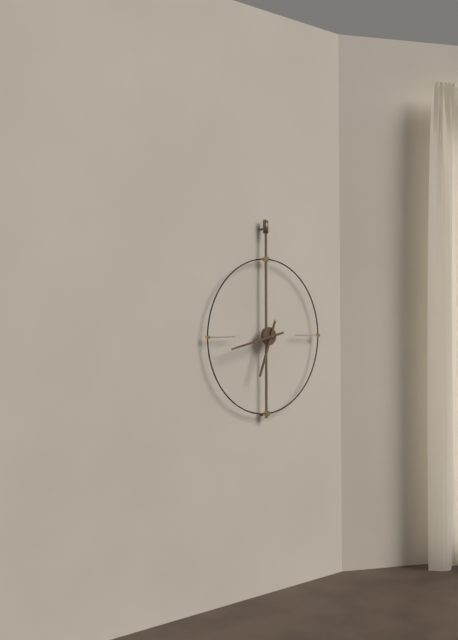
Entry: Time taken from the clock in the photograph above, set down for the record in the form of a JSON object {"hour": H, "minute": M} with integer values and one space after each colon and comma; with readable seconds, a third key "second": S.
{"hour": 6, "minute": 43}
